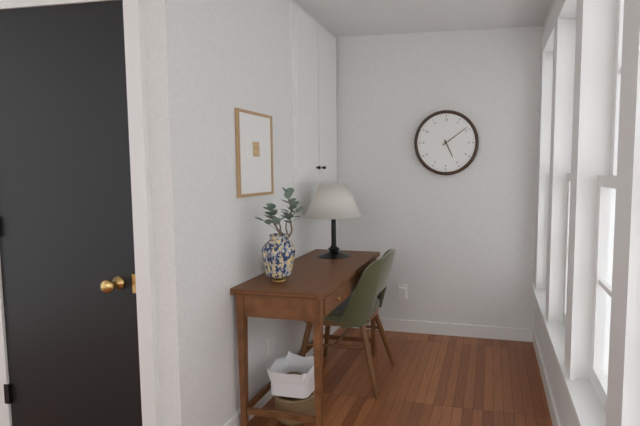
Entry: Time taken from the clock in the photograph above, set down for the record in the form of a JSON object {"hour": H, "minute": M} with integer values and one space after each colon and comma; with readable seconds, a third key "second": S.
{"hour": 5, "minute": 9}
